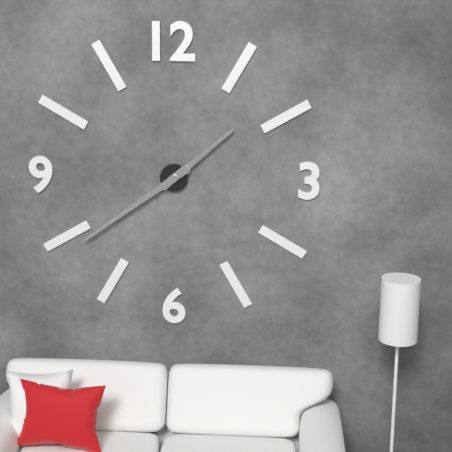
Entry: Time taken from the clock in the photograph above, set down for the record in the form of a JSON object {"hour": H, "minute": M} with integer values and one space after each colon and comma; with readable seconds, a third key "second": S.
{"hour": 1, "minute": 39}
